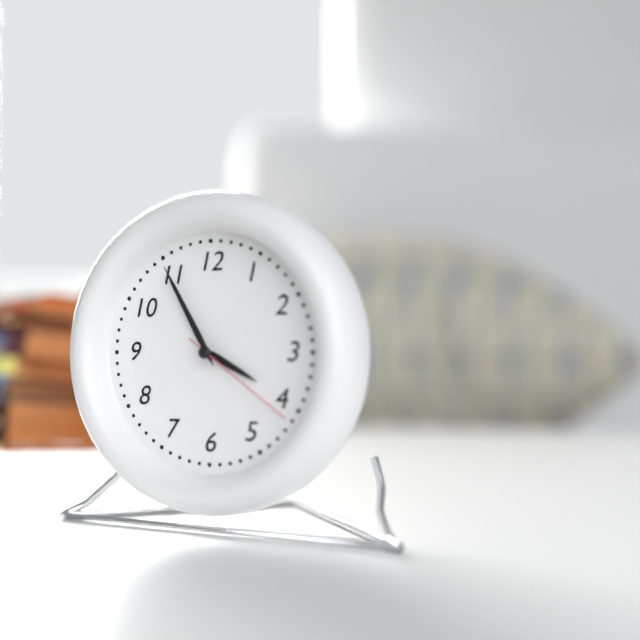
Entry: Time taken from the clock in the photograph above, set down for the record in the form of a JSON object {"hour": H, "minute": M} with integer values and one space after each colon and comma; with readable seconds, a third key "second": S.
{"hour": 3, "minute": 55, "second": 21}
